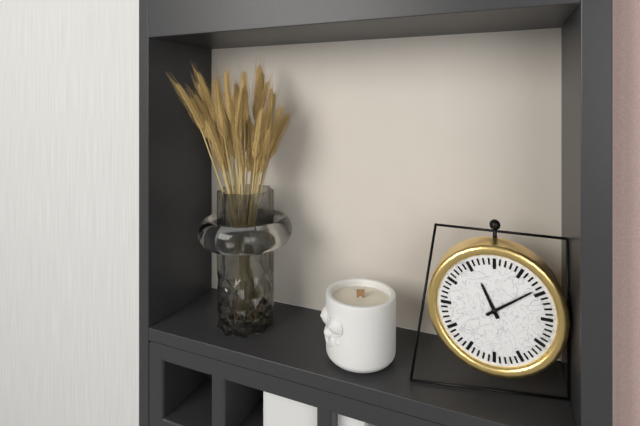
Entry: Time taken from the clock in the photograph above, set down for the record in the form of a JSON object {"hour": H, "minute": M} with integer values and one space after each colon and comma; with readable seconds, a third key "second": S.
{"hour": 11, "minute": 9}
